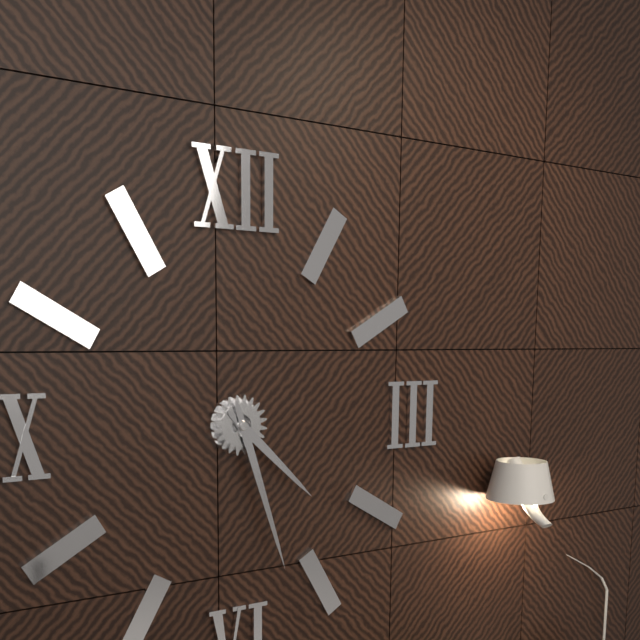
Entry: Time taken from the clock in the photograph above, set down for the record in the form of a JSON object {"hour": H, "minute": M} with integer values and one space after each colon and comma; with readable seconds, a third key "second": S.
{"hour": 4, "minute": 27}
